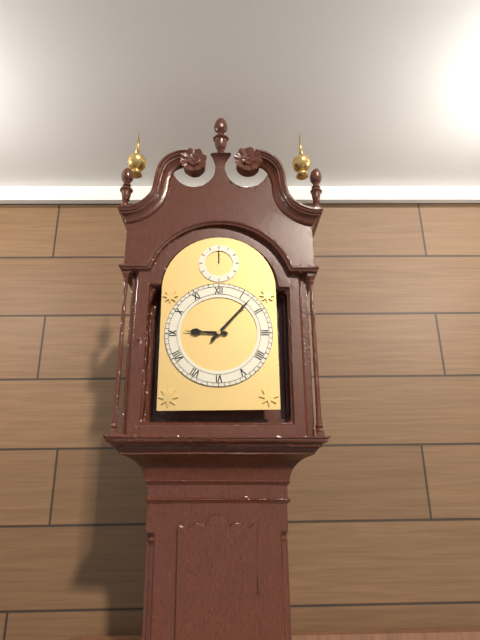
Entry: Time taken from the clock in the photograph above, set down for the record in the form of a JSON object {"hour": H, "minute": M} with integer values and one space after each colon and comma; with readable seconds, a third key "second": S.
{"hour": 9, "minute": 7}
